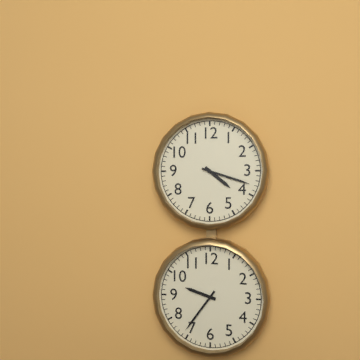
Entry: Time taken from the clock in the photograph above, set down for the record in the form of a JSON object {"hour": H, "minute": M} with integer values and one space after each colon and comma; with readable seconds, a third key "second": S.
{"hour": 4, "minute": 18}
